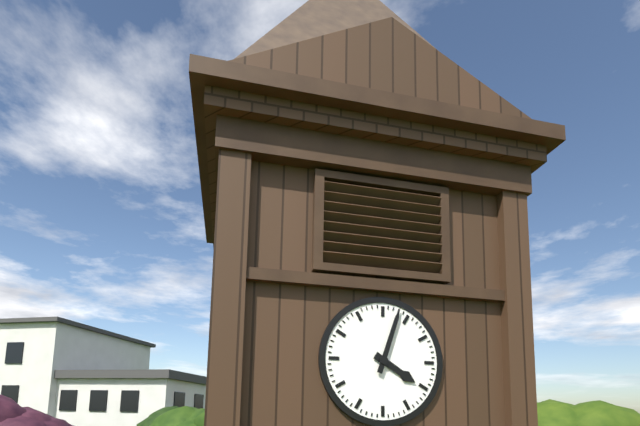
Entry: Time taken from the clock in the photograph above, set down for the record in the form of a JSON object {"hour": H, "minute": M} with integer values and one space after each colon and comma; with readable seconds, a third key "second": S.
{"hour": 4, "minute": 3}
